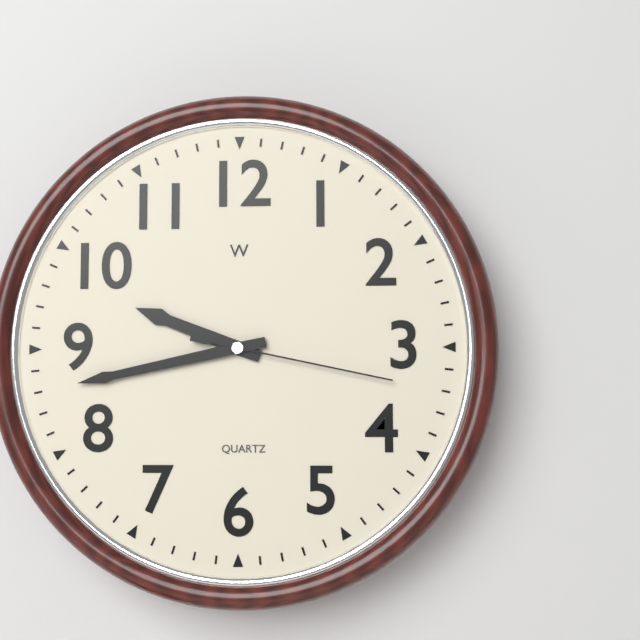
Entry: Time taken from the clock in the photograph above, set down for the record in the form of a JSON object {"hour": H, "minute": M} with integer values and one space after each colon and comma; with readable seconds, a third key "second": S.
{"hour": 9, "minute": 43, "second": 17}
